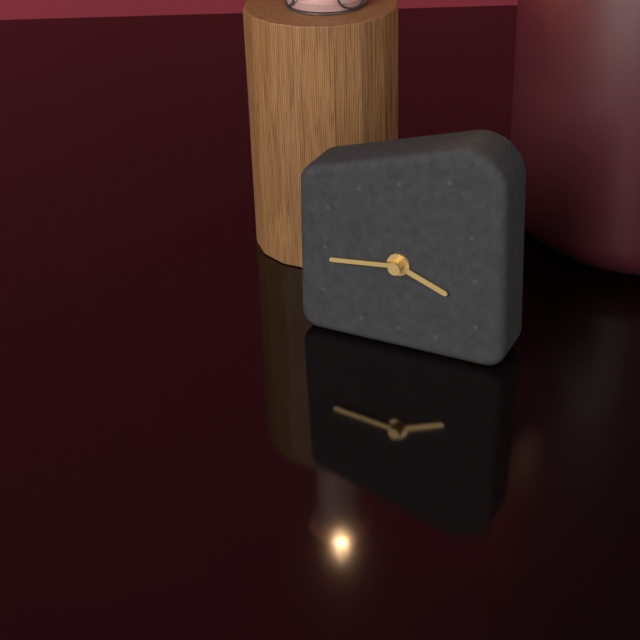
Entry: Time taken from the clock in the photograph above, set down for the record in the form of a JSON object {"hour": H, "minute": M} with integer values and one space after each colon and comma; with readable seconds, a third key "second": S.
{"hour": 3, "minute": 44}
